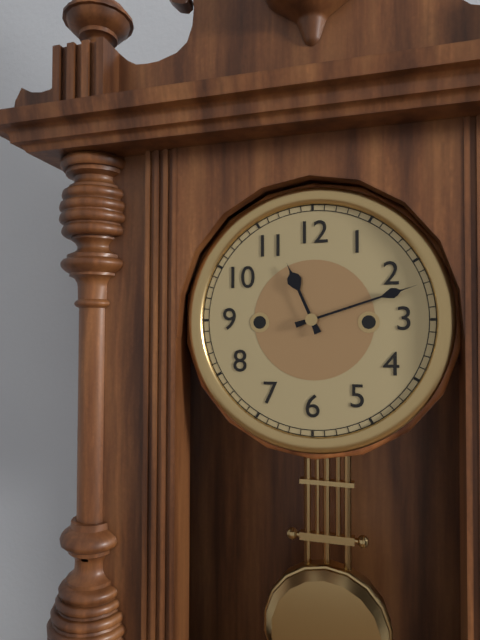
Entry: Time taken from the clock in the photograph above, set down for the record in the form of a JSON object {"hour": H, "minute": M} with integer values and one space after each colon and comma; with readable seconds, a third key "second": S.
{"hour": 11, "minute": 12}
